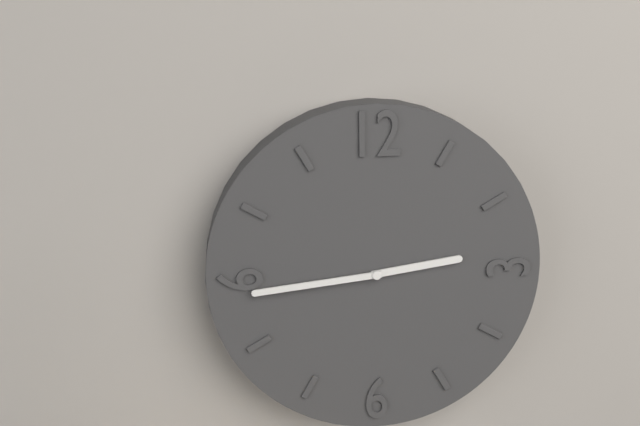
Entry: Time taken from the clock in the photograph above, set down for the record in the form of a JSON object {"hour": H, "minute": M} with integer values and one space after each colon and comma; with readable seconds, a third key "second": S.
{"hour": 2, "minute": 44}
